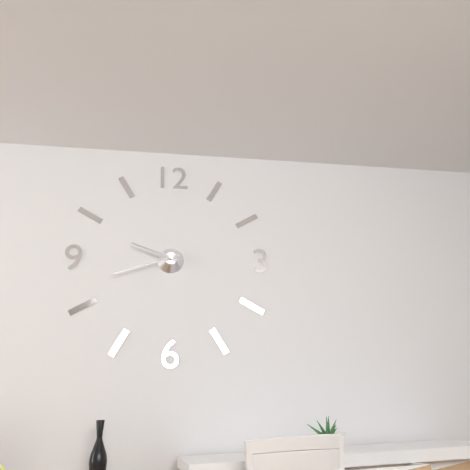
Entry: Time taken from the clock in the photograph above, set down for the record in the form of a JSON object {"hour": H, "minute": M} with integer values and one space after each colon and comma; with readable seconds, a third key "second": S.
{"hour": 9, "minute": 42}
